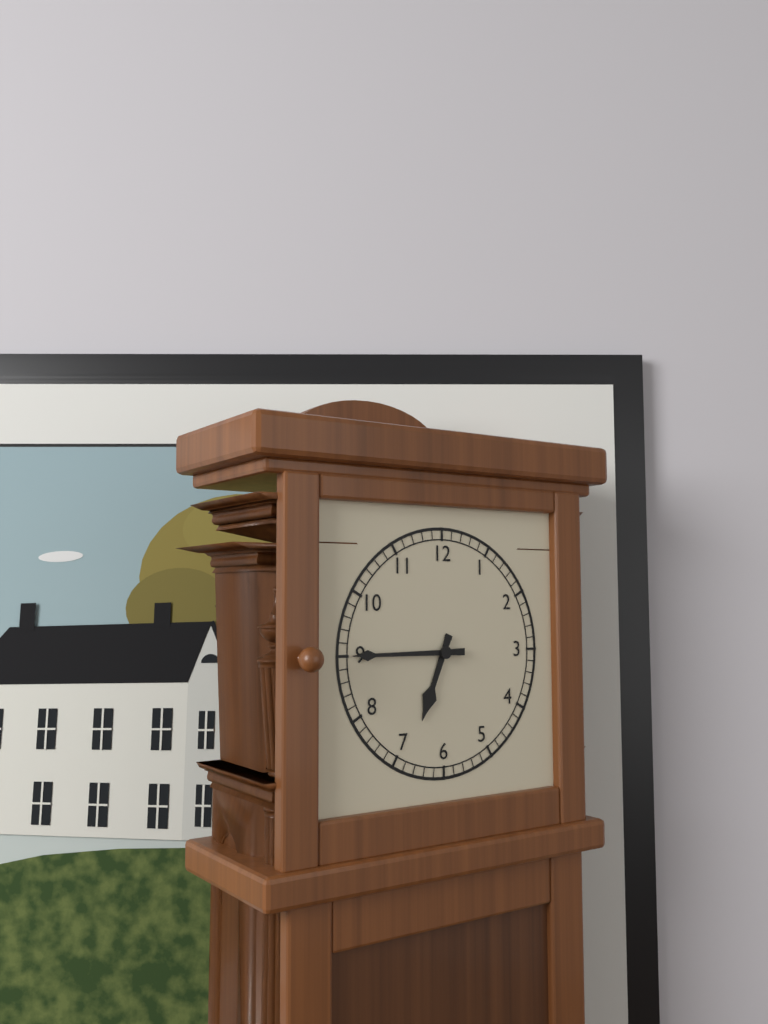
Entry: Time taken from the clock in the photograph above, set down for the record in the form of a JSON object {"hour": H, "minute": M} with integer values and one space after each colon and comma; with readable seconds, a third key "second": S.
{"hour": 6, "minute": 45}
